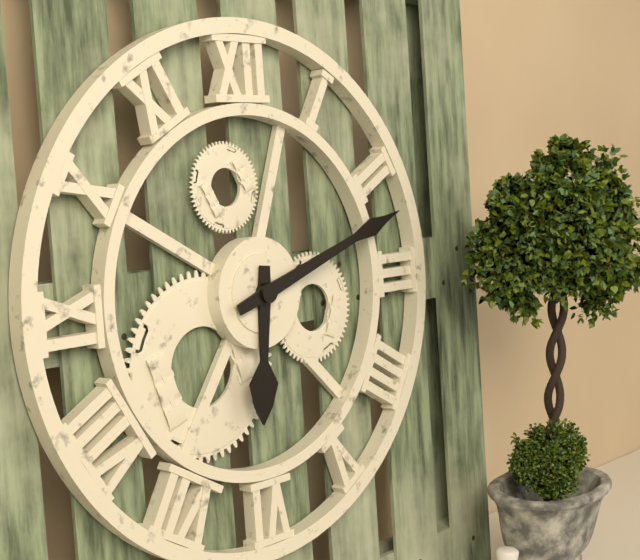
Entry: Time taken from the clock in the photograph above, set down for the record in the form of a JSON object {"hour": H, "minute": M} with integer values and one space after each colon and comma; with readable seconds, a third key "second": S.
{"hour": 6, "minute": 12}
